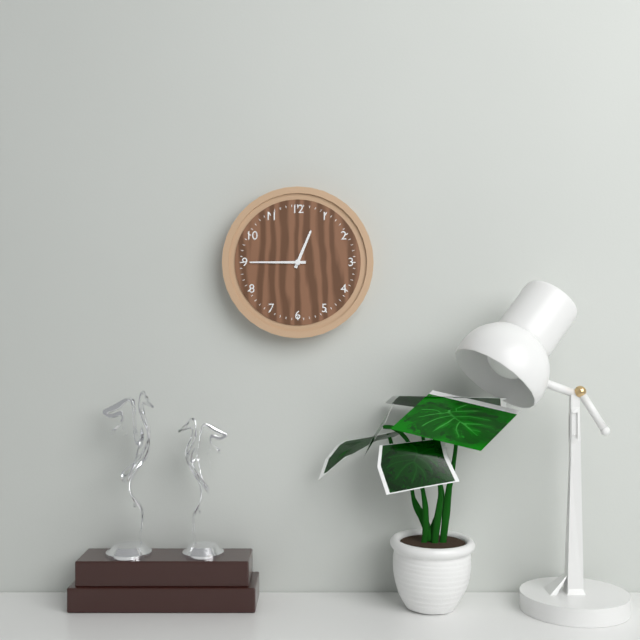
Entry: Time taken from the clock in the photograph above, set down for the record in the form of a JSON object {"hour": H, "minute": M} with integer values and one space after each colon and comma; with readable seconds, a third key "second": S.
{"hour": 12, "minute": 45}
